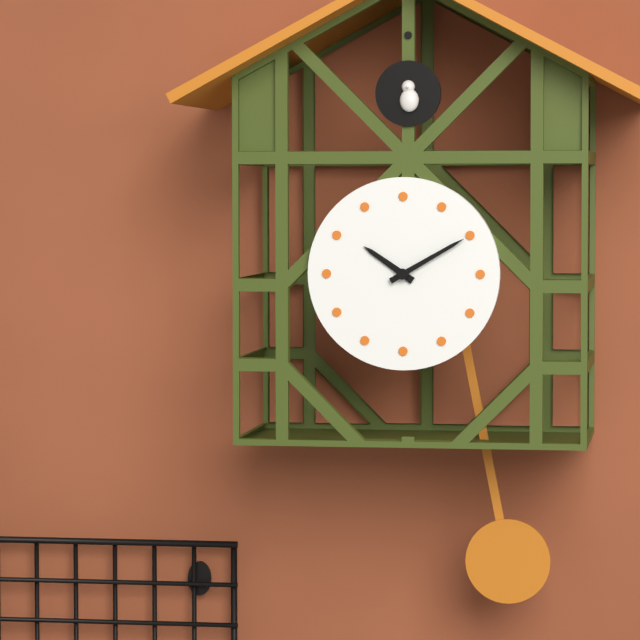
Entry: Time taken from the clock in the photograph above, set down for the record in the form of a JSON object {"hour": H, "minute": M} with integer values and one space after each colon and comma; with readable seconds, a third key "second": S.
{"hour": 10, "minute": 10}
